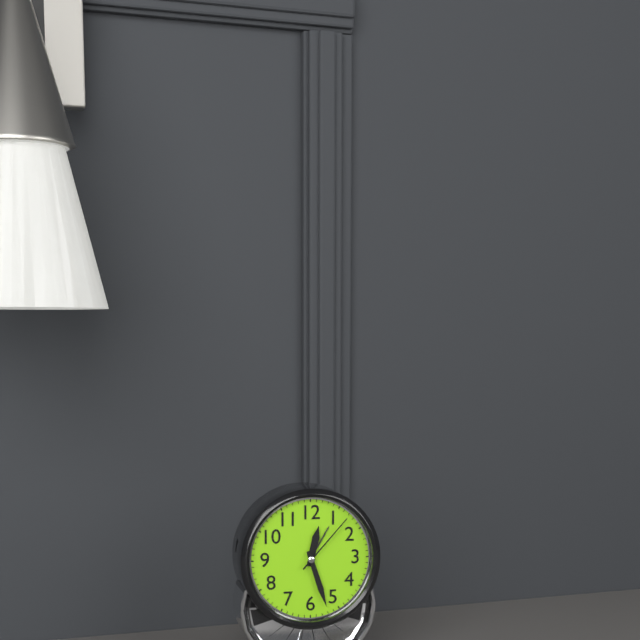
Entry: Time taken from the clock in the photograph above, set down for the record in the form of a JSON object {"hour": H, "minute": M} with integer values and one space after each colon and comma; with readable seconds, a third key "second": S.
{"hour": 12, "minute": 27, "second": 7}
